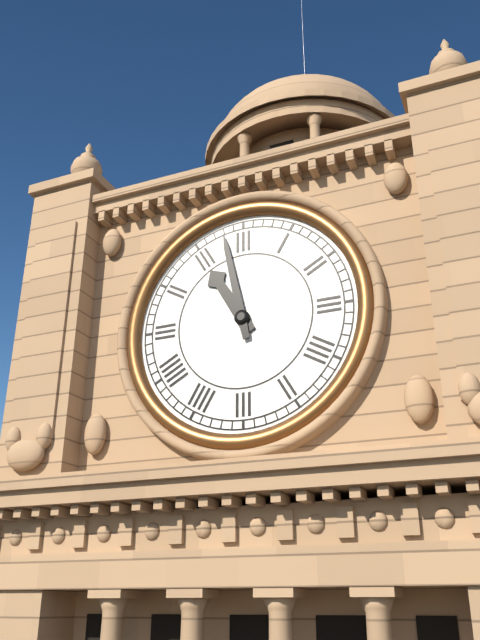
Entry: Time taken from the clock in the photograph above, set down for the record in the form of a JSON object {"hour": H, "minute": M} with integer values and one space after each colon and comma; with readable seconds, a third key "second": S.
{"hour": 10, "minute": 58}
